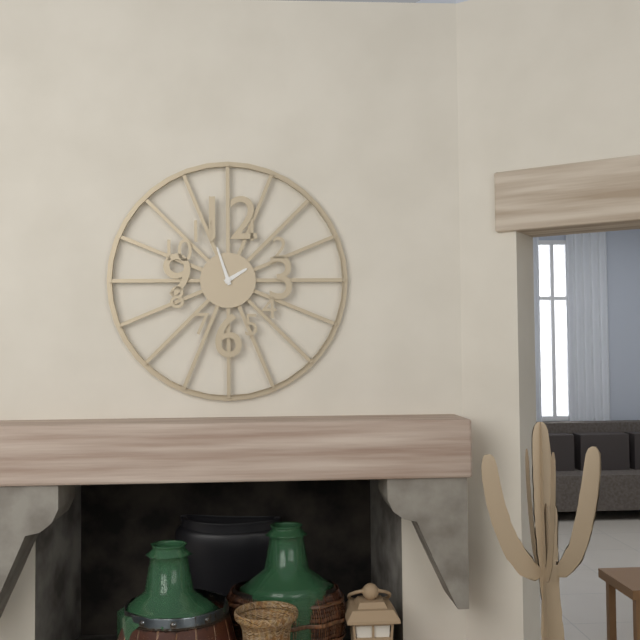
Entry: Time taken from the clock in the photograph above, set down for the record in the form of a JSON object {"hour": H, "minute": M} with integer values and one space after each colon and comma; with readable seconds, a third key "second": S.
{"hour": 1, "minute": 57}
